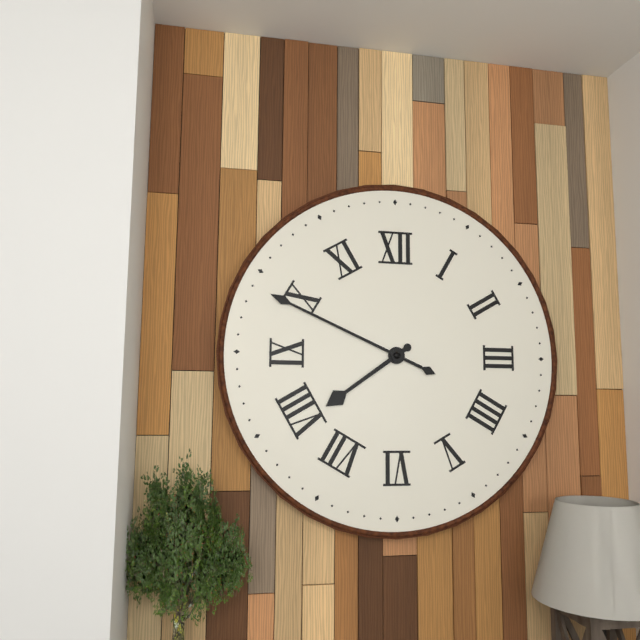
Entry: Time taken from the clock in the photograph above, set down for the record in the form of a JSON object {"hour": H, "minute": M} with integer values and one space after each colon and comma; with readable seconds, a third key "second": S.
{"hour": 7, "minute": 49}
